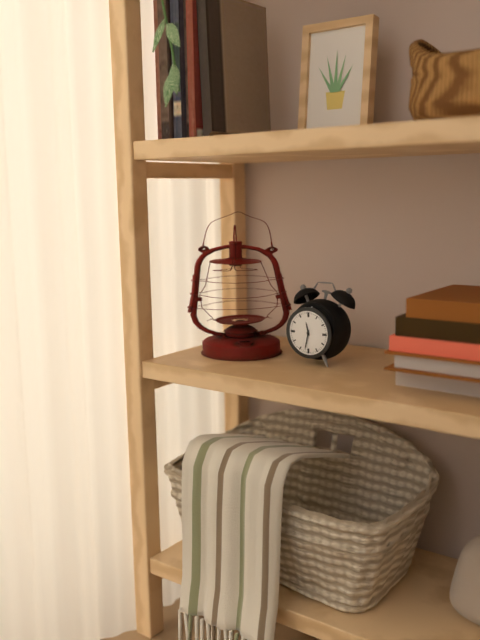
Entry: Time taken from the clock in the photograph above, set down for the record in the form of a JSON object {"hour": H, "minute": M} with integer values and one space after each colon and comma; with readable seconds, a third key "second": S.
{"hour": 11, "minute": 32}
